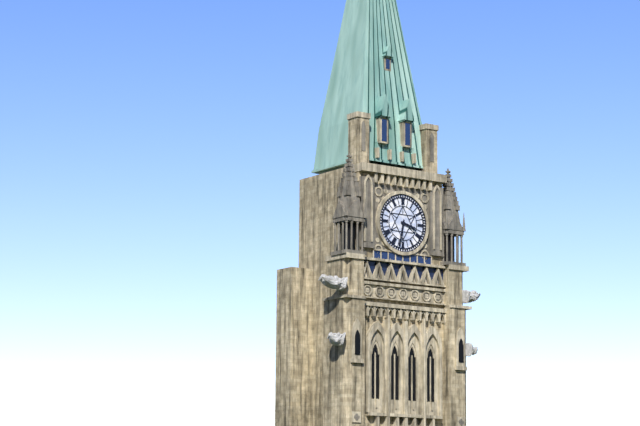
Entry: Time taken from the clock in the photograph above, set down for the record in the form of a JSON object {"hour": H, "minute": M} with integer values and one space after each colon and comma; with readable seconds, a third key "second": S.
{"hour": 3, "minute": 32}
